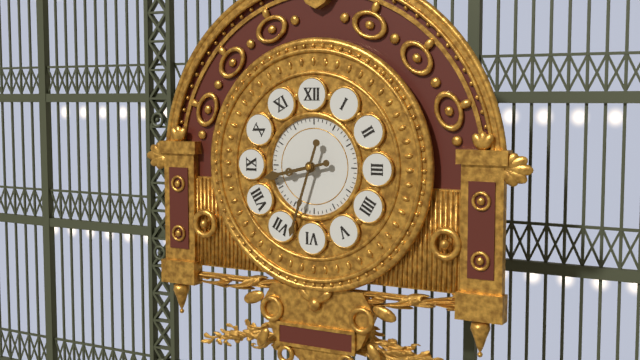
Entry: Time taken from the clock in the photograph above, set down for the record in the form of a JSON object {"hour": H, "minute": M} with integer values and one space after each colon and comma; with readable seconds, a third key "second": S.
{"hour": 8, "minute": 33}
